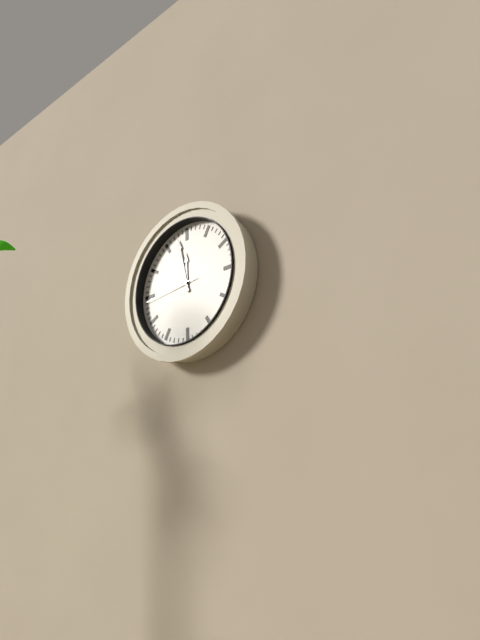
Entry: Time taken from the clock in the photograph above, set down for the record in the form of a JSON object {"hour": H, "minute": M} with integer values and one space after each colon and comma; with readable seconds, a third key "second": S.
{"hour": 11, "minute": 58, "second": 44}
